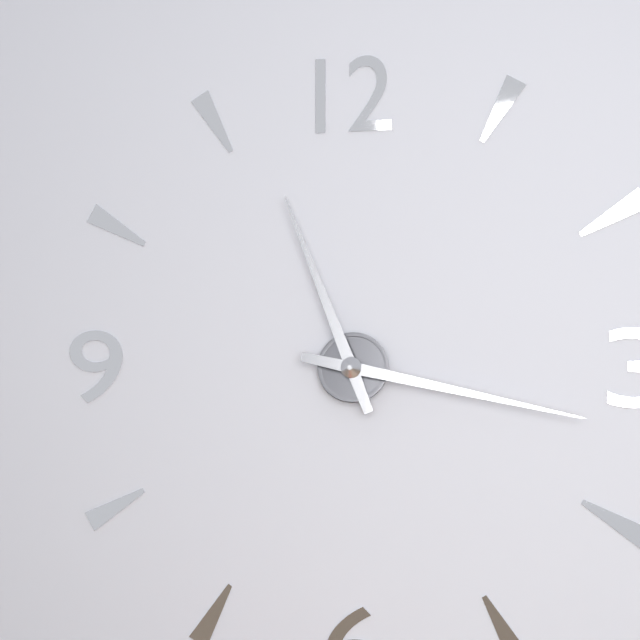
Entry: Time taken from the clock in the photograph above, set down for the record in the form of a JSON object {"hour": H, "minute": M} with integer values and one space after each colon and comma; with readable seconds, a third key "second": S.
{"hour": 11, "minute": 17}
